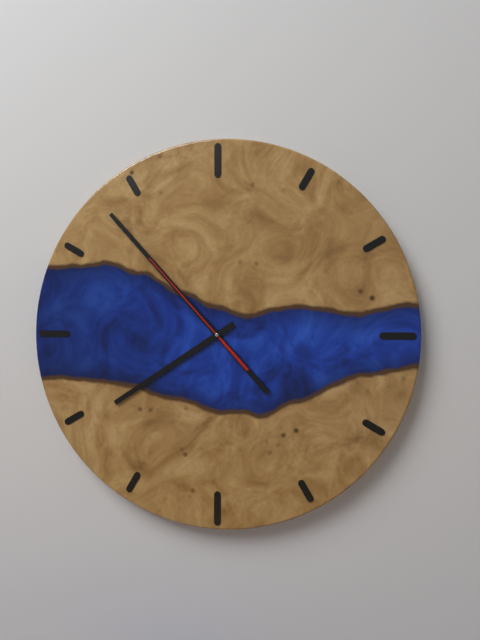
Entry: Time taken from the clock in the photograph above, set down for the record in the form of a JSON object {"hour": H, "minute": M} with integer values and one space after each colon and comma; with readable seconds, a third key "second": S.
{"hour": 7, "minute": 53, "second": 53}
